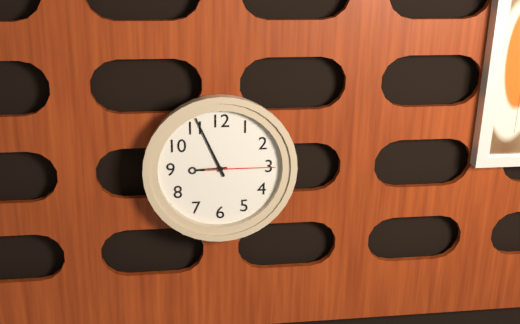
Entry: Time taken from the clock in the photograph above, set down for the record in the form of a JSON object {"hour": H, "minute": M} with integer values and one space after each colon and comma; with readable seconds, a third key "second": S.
{"hour": 8, "minute": 56, "second": 15}
